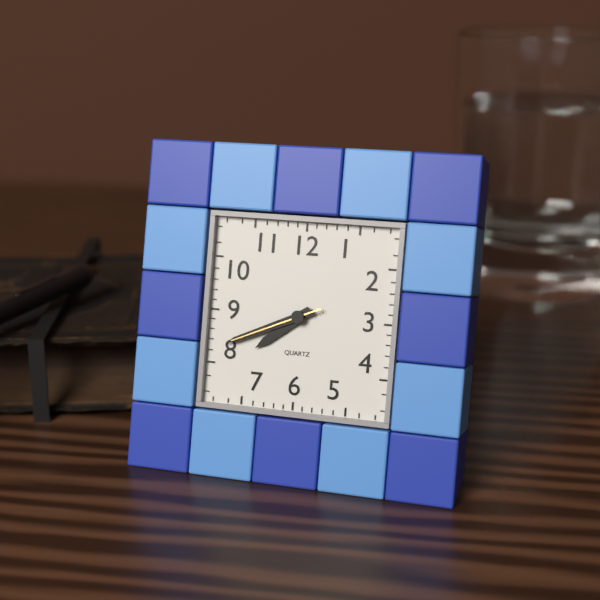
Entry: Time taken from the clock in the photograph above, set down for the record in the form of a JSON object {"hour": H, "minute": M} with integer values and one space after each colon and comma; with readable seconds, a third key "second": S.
{"hour": 7, "minute": 41, "second": 41}
